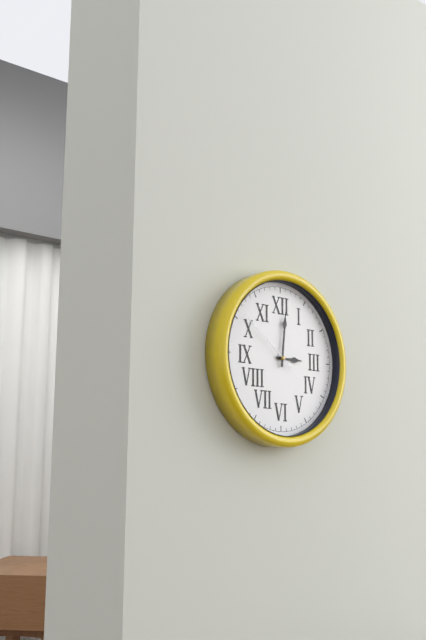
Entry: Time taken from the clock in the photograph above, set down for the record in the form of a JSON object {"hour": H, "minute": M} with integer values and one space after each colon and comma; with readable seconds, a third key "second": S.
{"hour": 3, "minute": 1, "second": 51}
